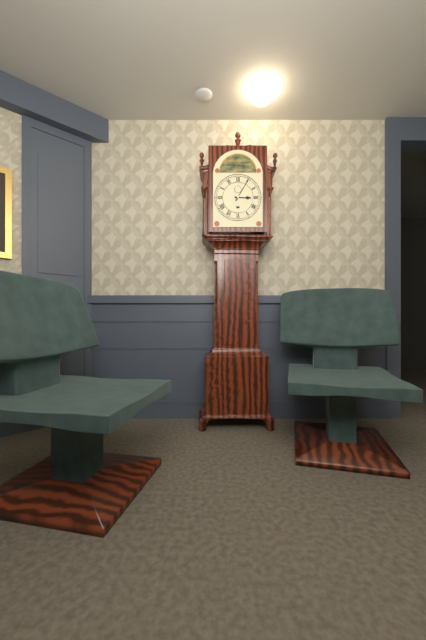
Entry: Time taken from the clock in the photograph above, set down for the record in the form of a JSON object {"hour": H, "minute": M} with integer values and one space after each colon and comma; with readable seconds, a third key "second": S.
{"hour": 3, "minute": 5}
